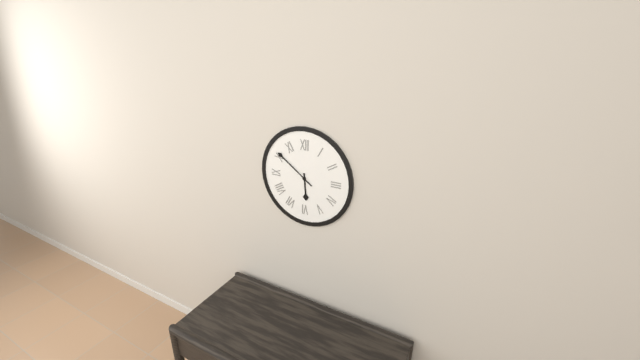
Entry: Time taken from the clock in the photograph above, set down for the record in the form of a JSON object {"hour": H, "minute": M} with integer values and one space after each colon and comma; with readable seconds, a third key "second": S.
{"hour": 5, "minute": 51}
